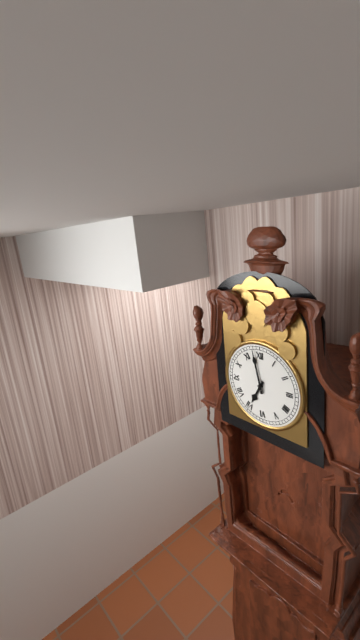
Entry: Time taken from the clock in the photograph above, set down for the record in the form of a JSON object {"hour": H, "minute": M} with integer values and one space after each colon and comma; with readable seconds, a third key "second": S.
{"hour": 6, "minute": 58}
